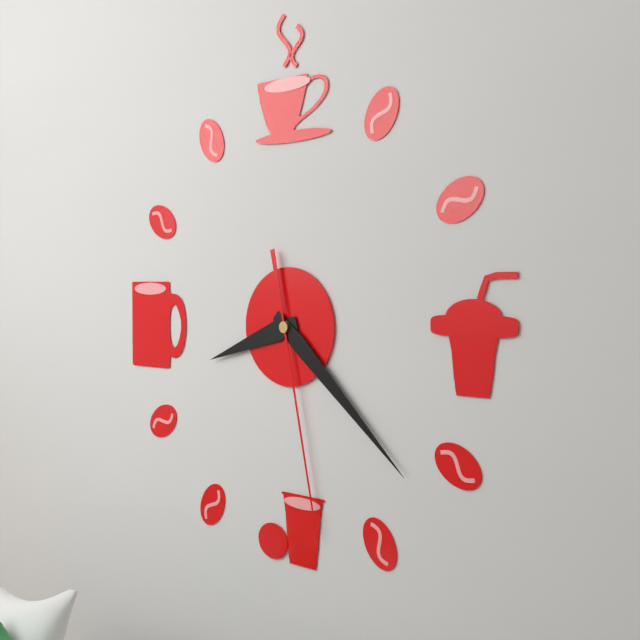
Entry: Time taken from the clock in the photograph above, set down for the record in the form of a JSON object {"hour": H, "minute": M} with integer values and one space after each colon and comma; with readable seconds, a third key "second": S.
{"hour": 8, "minute": 22, "second": 28}
